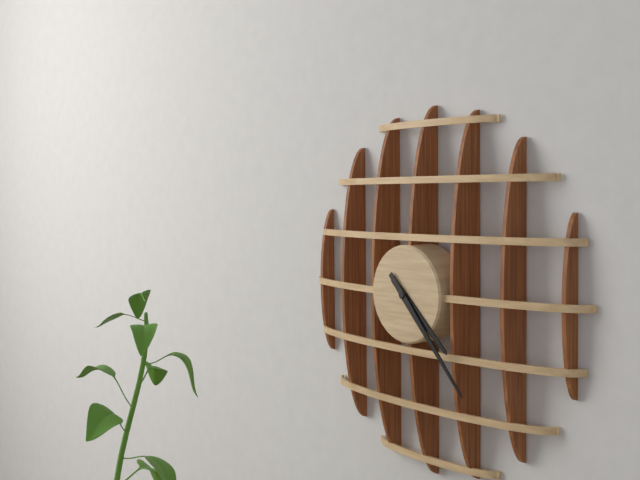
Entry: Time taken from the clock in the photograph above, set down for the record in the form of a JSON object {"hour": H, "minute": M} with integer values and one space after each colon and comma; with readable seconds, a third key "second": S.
{"hour": 4, "minute": 23}
